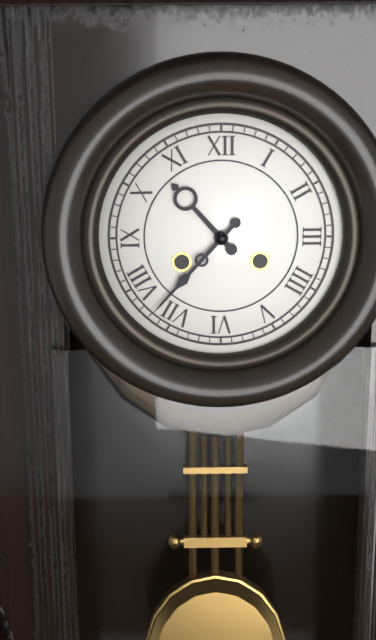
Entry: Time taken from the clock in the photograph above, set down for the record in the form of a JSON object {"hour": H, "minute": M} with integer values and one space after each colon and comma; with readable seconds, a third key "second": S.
{"hour": 10, "minute": 37}
